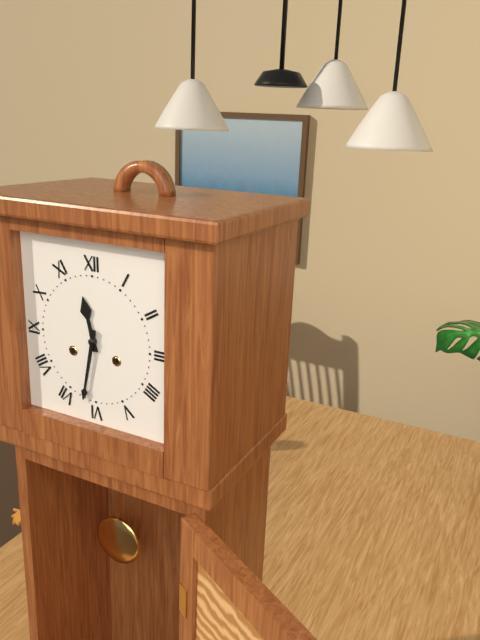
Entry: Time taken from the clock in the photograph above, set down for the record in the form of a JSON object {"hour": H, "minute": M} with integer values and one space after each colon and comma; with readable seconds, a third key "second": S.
{"hour": 11, "minute": 32}
